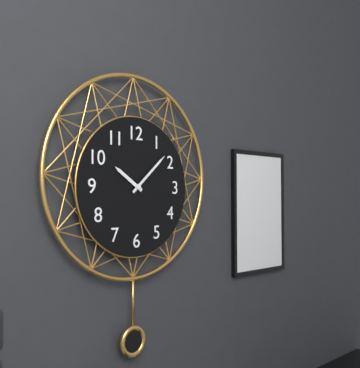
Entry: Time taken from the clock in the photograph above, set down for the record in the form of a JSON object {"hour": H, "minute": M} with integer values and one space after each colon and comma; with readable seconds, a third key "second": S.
{"hour": 10, "minute": 8}
